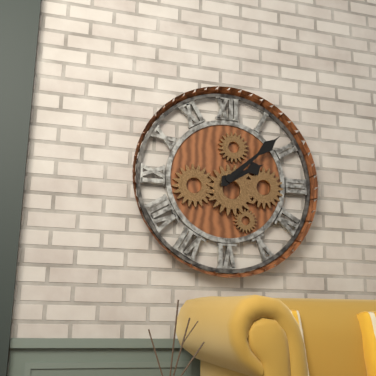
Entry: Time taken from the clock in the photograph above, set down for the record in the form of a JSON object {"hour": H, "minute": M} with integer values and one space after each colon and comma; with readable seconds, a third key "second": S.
{"hour": 2, "minute": 8}
